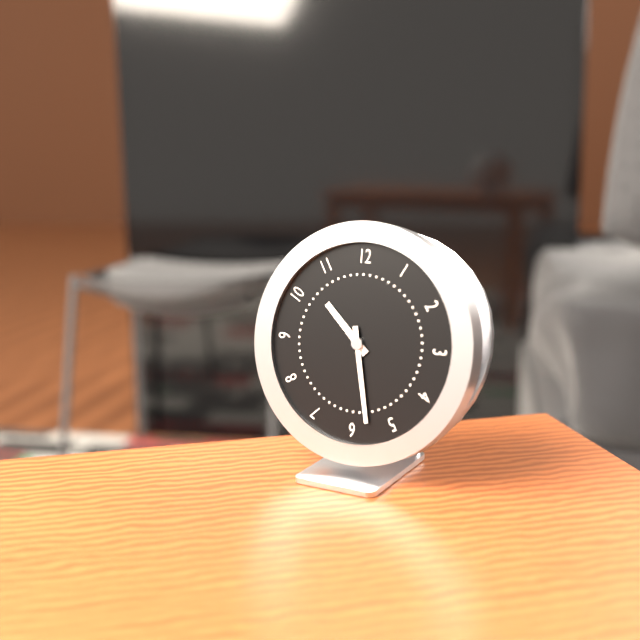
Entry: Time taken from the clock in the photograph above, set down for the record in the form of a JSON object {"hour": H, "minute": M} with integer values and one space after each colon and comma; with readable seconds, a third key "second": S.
{"hour": 10, "minute": 28}
